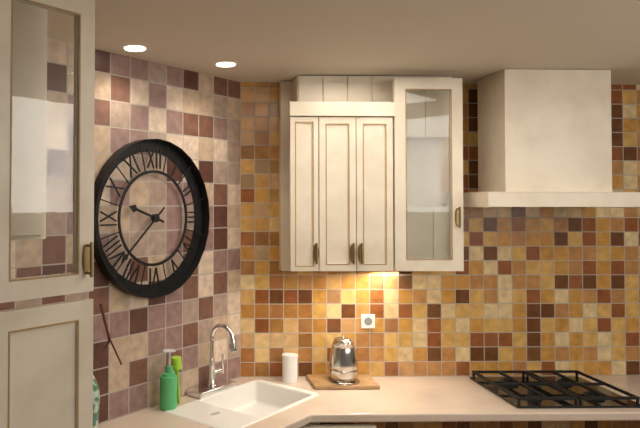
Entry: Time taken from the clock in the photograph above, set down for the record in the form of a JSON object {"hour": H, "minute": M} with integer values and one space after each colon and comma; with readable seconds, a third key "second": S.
{"hour": 9, "minute": 38}
